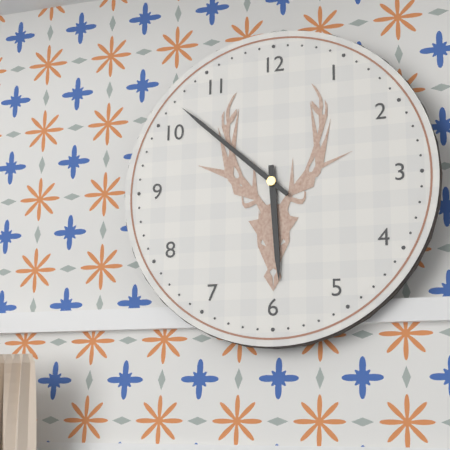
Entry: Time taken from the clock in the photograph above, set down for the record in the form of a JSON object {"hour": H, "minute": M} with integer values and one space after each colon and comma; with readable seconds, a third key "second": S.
{"hour": 5, "minute": 52}
